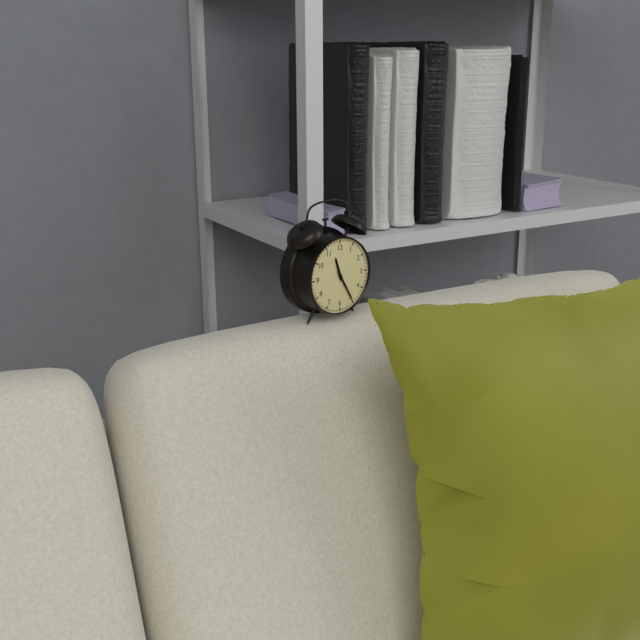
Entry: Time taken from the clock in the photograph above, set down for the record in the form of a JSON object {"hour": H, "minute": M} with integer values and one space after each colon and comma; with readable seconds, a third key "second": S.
{"hour": 11, "minute": 25}
